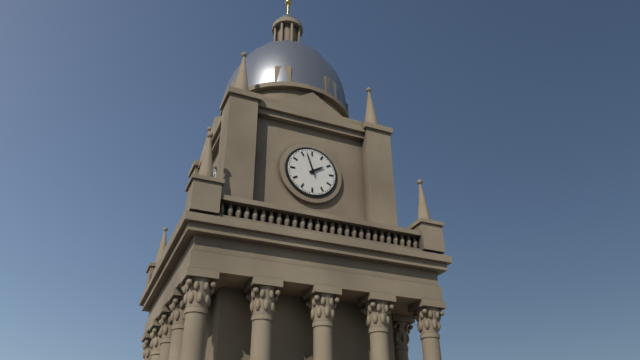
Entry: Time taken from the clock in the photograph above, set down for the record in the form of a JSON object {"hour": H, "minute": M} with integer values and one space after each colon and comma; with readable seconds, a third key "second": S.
{"hour": 1, "minute": 57}
